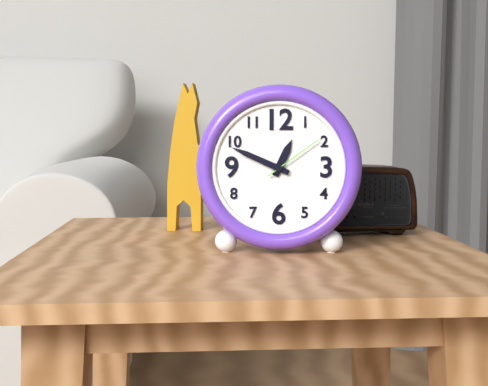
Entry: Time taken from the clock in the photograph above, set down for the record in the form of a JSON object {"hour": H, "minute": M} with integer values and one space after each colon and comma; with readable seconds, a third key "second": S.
{"hour": 12, "minute": 49, "second": 9}
